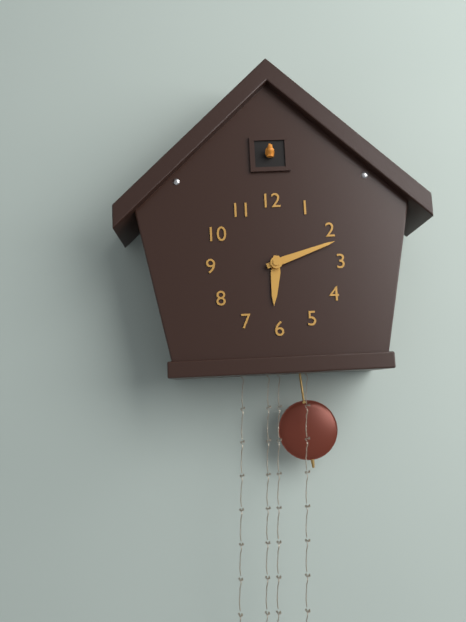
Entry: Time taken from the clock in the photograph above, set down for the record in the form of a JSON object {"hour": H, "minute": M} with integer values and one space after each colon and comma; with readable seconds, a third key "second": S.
{"hour": 6, "minute": 12}
